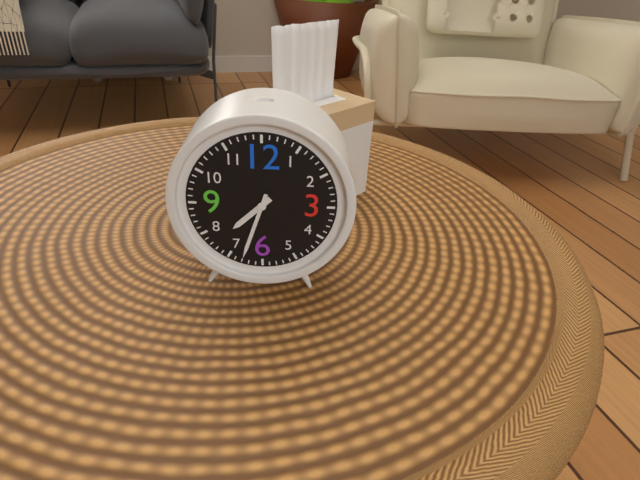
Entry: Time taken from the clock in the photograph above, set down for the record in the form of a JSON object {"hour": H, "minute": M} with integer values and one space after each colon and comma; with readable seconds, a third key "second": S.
{"hour": 7, "minute": 33}
